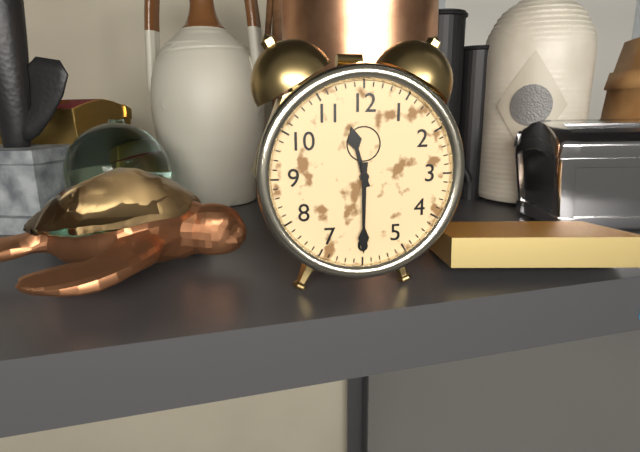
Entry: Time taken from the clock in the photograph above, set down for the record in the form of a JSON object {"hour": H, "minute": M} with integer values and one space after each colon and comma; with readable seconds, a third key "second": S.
{"hour": 11, "minute": 30}
